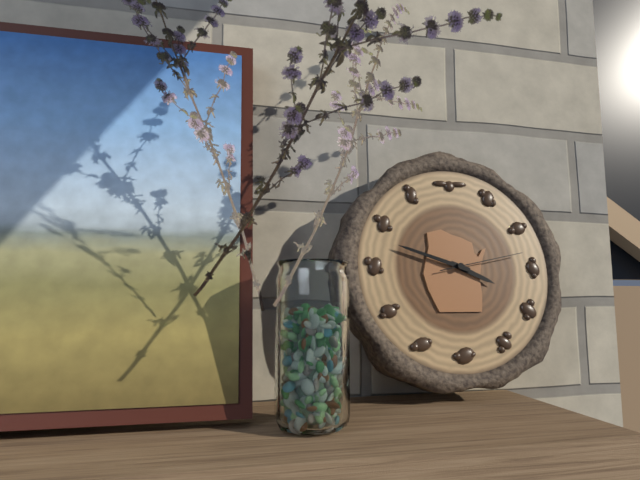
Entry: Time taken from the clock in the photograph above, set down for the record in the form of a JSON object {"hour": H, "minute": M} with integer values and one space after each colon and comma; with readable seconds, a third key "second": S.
{"hour": 3, "minute": 48, "second": 13}
